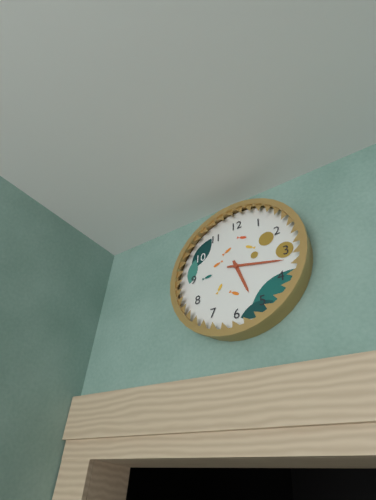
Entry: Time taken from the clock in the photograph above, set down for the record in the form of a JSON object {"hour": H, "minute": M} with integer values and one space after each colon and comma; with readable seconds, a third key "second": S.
{"hour": 5, "minute": 17}
